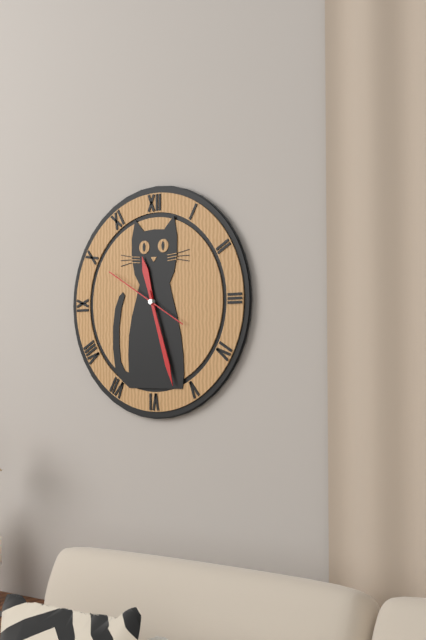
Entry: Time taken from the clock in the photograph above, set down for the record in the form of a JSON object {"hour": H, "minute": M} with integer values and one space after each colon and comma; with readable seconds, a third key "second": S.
{"hour": 11, "minute": 27, "second": 50}
